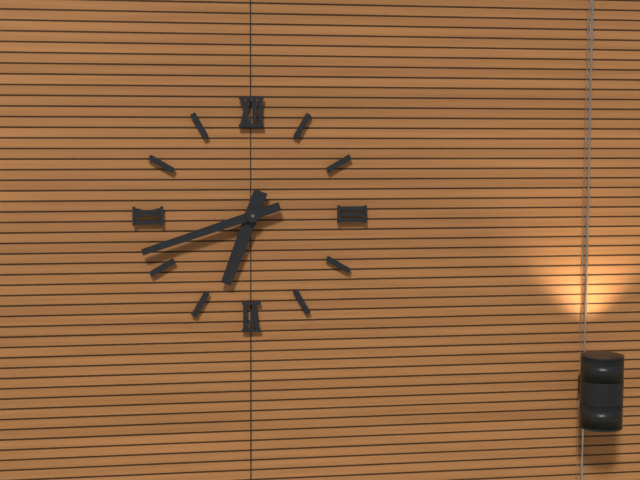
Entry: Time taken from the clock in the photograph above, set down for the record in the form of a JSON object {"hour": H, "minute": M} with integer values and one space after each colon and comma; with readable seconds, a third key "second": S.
{"hour": 6, "minute": 42}
